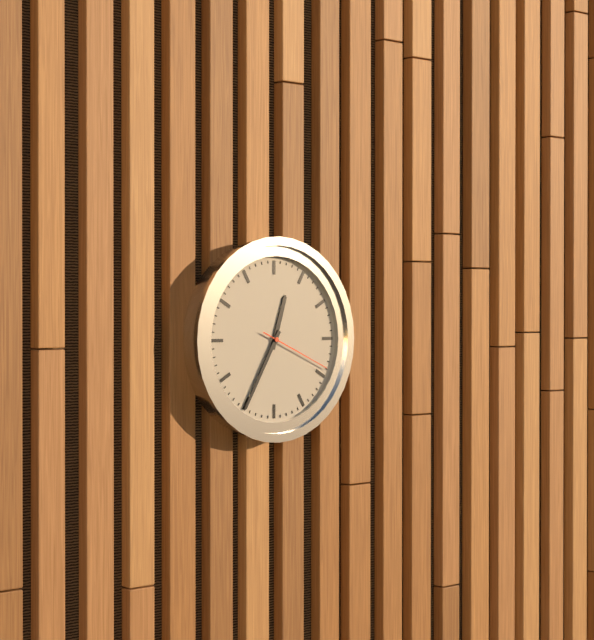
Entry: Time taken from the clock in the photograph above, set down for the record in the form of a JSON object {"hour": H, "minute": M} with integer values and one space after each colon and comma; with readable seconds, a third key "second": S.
{"hour": 12, "minute": 35, "second": 19}
